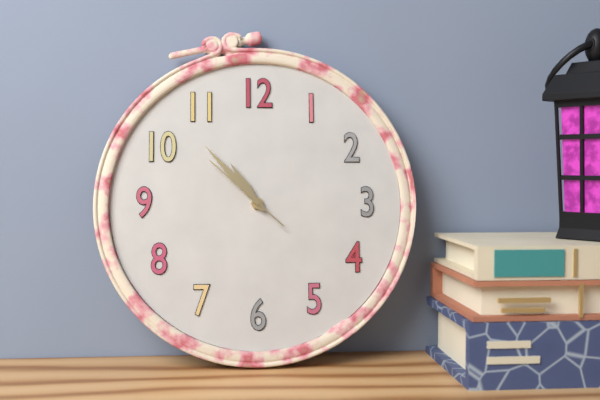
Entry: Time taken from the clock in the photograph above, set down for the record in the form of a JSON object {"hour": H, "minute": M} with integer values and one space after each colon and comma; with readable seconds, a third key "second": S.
{"hour": 10, "minute": 53, "second": 52}
